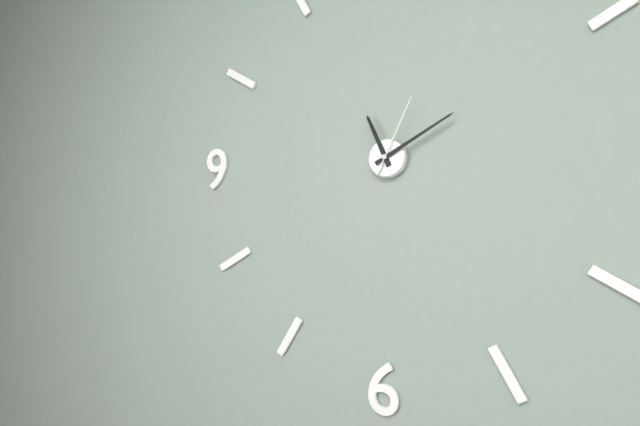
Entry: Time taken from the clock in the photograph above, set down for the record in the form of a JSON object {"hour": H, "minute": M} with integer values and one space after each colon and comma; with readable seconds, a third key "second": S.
{"hour": 11, "minute": 10, "second": 4}
